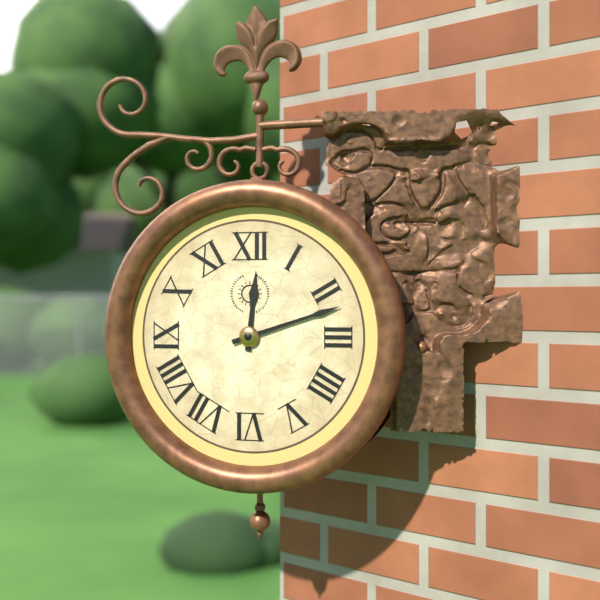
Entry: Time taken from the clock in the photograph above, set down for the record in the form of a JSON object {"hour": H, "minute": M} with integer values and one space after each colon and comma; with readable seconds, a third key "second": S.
{"hour": 12, "minute": 12}
